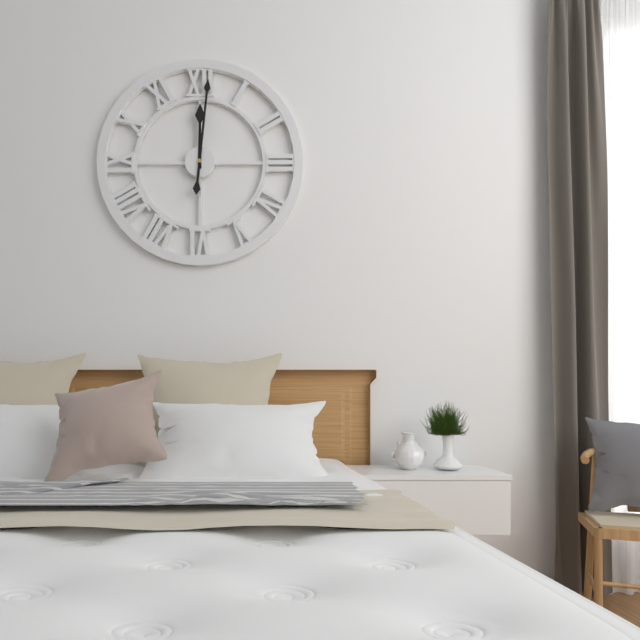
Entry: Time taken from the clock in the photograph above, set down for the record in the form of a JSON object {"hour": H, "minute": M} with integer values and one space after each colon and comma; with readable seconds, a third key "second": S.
{"hour": 12, "minute": 1}
